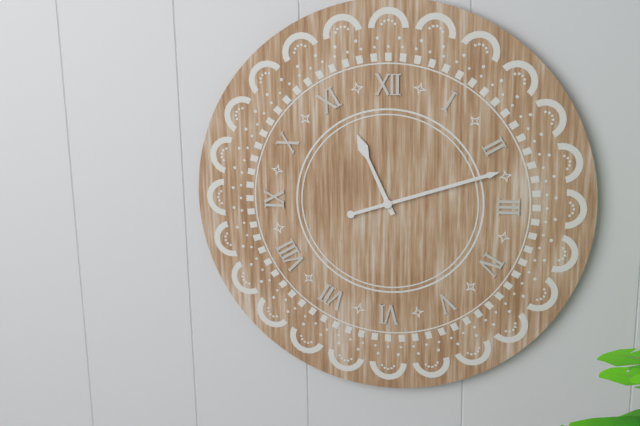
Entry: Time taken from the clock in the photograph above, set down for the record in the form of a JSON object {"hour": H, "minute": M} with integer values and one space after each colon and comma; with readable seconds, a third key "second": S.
{"hour": 11, "minute": 12}
